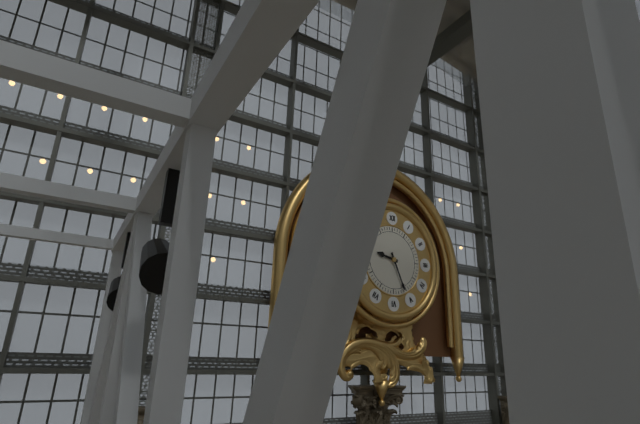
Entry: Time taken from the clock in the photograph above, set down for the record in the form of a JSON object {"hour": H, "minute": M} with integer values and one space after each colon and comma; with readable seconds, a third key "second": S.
{"hour": 9, "minute": 26}
